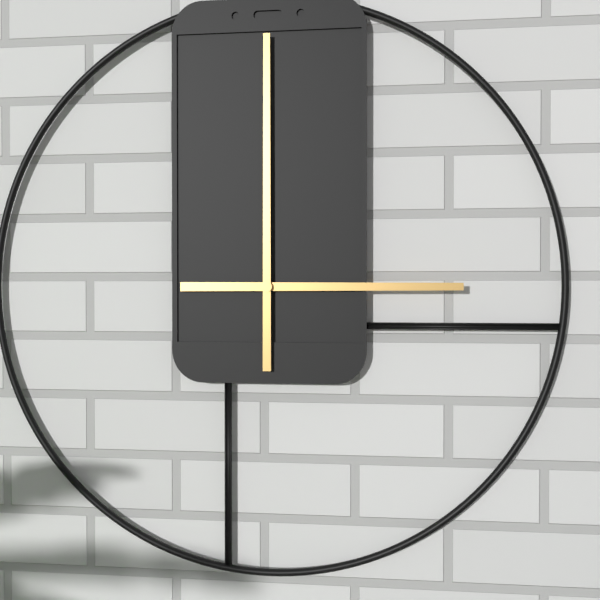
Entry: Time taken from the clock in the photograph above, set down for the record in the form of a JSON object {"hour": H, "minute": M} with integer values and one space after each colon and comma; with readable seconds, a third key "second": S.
{"hour": 3, "minute": 0}
